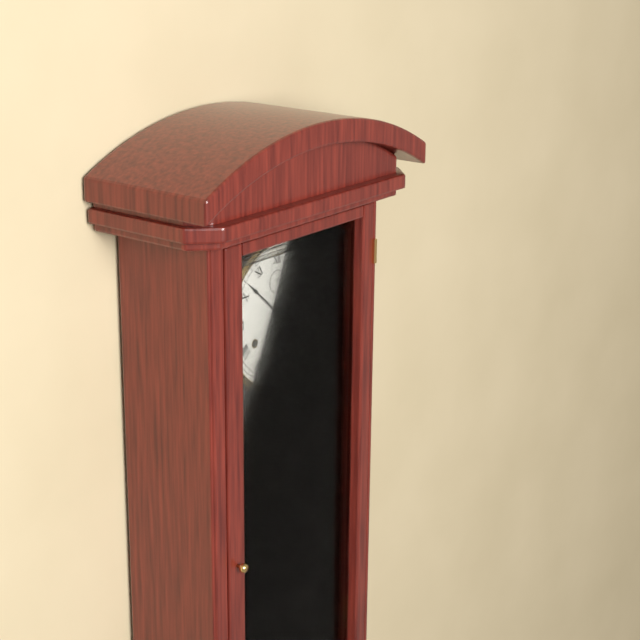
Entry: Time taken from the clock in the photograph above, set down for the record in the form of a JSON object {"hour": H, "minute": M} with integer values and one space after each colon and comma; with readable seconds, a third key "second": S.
{"hour": 5, "minute": 52}
